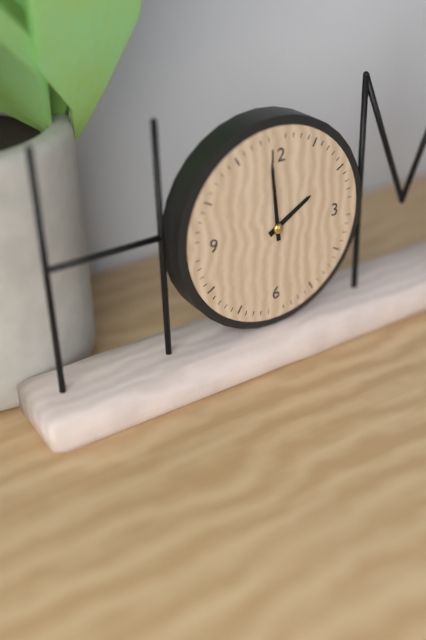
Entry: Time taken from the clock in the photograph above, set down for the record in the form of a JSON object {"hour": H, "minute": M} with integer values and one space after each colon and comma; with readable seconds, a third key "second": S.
{"hour": 1, "minute": 59}
